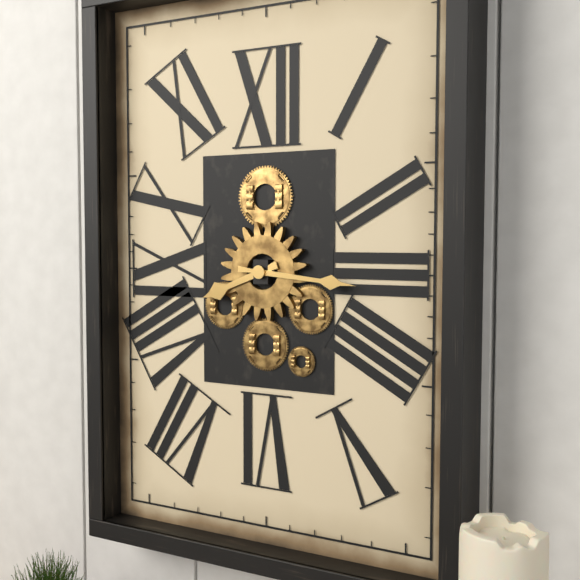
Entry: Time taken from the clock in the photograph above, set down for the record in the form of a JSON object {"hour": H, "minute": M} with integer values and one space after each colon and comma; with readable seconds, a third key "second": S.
{"hour": 8, "minute": 16}
